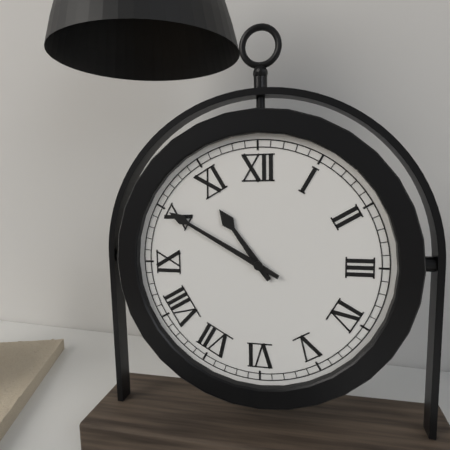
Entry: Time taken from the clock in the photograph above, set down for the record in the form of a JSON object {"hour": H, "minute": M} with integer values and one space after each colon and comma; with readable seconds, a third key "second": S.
{"hour": 10, "minute": 50}
